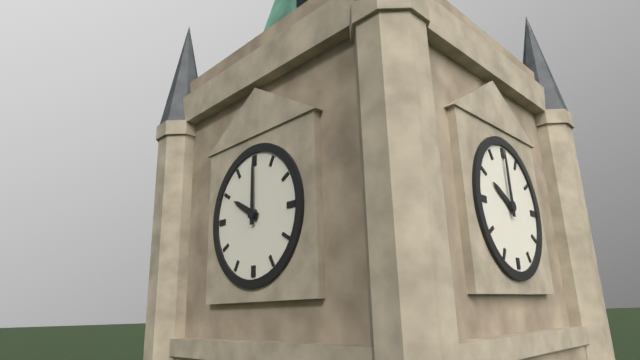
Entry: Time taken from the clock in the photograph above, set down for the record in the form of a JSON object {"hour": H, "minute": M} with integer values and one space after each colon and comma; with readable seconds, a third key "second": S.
{"hour": 10, "minute": 0}
